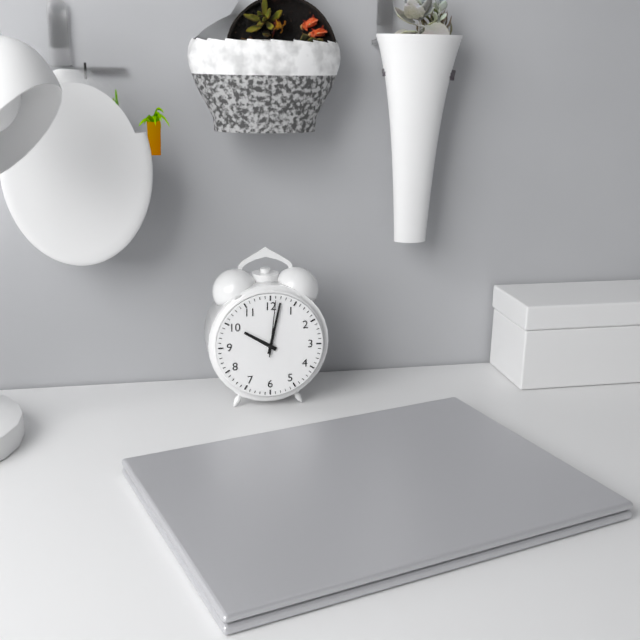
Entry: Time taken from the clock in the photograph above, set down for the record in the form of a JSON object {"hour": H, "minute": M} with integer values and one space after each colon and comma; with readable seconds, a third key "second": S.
{"hour": 10, "minute": 2, "second": 1}
